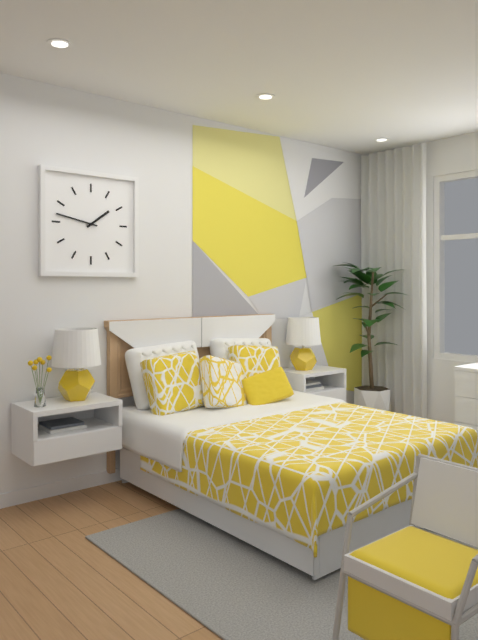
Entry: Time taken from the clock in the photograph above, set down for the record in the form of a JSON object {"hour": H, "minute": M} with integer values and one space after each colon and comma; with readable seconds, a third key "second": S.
{"hour": 1, "minute": 47}
